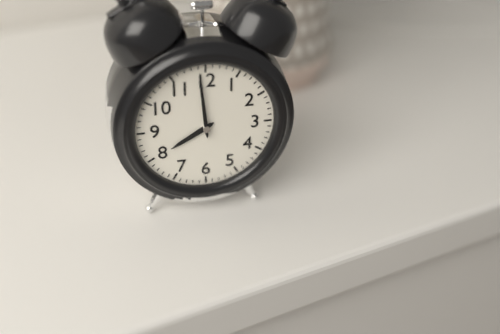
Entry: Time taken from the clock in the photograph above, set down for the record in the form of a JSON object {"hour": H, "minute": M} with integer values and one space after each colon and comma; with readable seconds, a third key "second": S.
{"hour": 7, "minute": 59}
